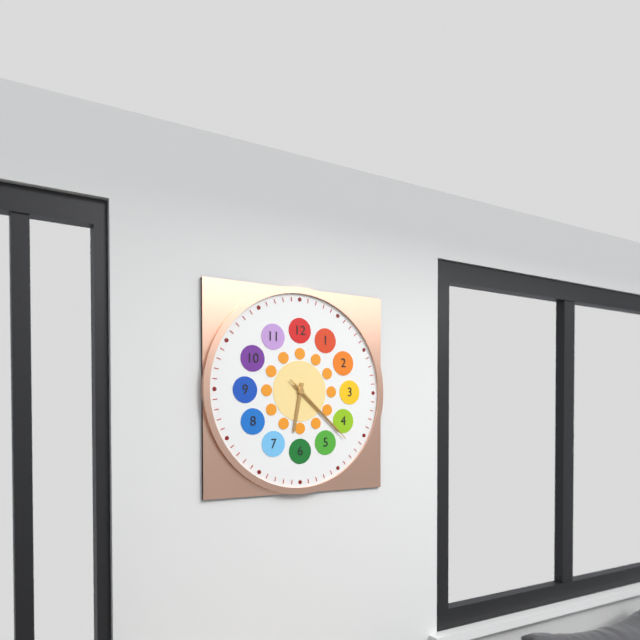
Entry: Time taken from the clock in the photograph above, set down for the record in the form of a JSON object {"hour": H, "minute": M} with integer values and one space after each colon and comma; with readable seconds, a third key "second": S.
{"hour": 6, "minute": 22, "second": 22}
